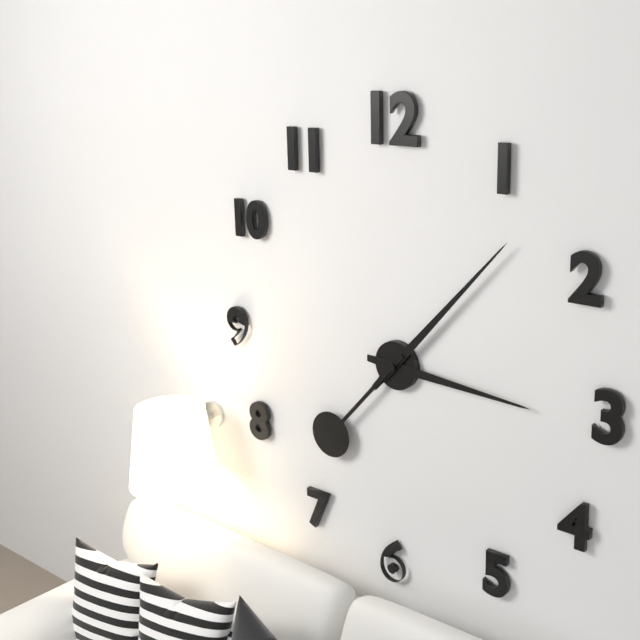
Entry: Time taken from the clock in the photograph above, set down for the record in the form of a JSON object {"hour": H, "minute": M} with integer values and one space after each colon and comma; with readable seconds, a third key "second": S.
{"hour": 3, "minute": 7, "second": 37}
